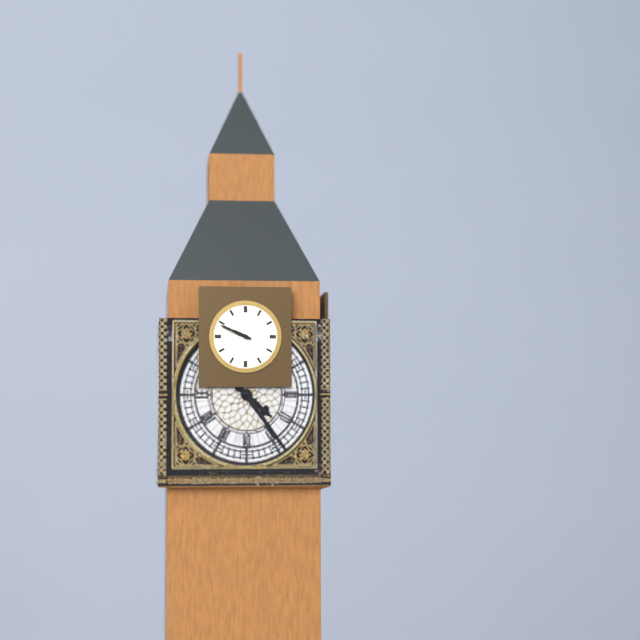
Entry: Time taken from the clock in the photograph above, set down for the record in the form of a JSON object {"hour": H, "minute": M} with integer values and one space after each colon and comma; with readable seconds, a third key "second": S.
{"hour": 9, "minute": 49}
